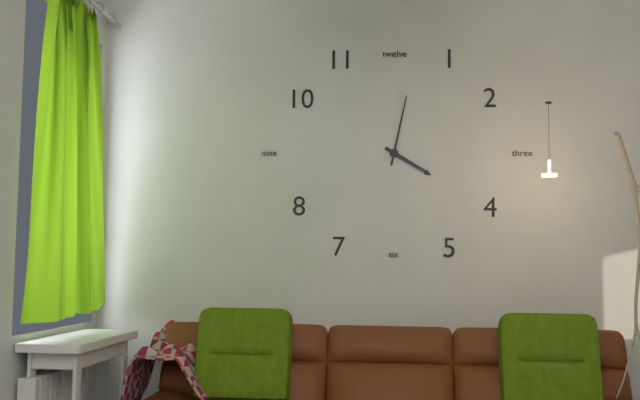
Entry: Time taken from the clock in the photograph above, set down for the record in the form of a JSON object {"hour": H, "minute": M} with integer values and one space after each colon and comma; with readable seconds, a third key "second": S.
{"hour": 4, "minute": 2}
